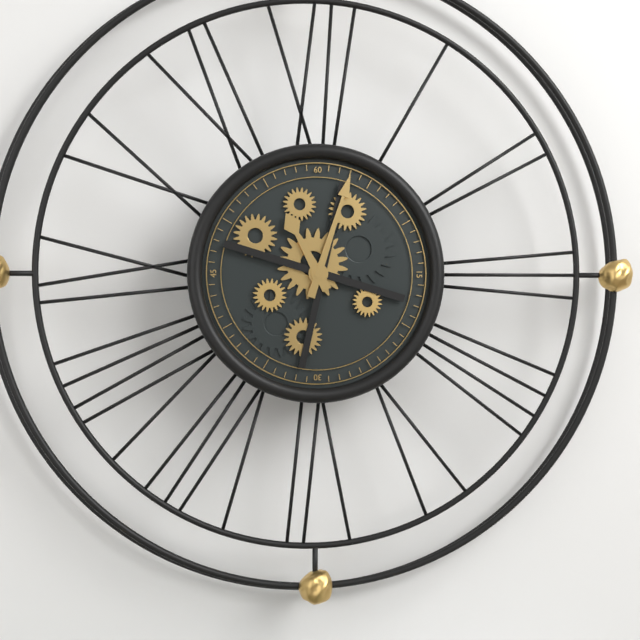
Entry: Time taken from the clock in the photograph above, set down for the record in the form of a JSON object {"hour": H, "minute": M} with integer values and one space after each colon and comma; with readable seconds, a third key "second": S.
{"hour": 11, "minute": 3}
